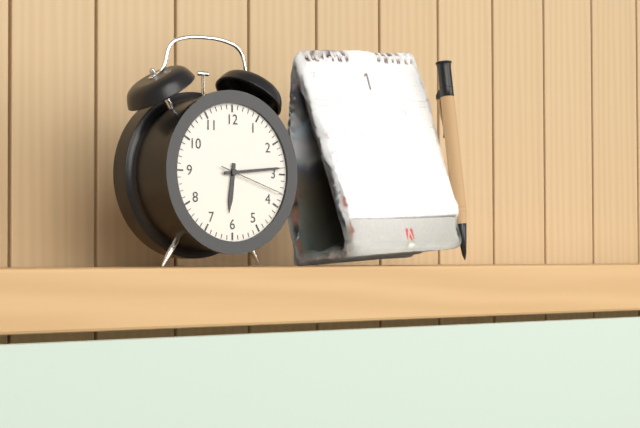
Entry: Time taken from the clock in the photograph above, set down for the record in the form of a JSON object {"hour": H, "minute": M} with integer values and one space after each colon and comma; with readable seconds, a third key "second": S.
{"hour": 6, "minute": 14, "second": 18}
